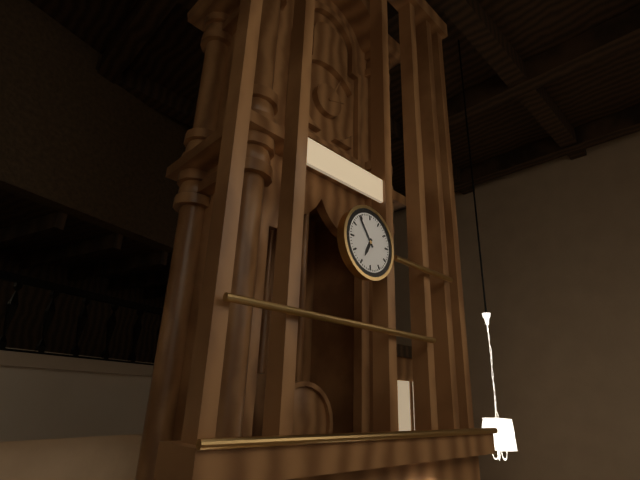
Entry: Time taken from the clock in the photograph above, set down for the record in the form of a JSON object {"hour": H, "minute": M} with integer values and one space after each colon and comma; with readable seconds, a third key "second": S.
{"hour": 6, "minute": 54}
